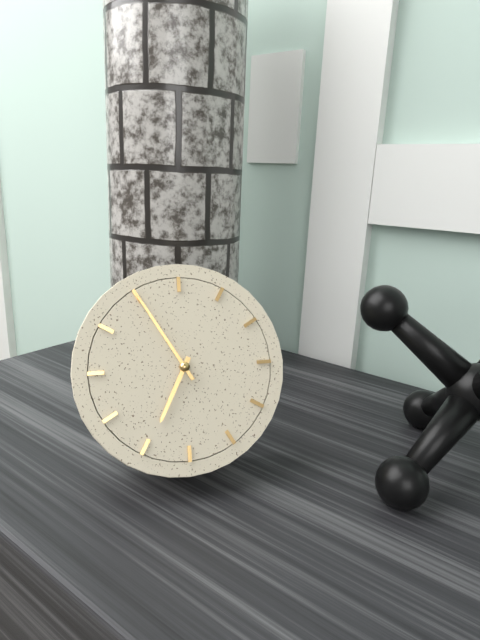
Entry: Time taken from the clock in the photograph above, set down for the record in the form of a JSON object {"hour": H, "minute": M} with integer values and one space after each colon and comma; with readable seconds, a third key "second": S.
{"hour": 6, "minute": 55}
